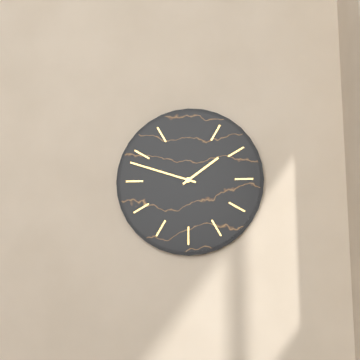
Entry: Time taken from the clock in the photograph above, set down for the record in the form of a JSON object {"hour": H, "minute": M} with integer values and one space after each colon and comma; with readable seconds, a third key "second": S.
{"hour": 1, "minute": 48}
